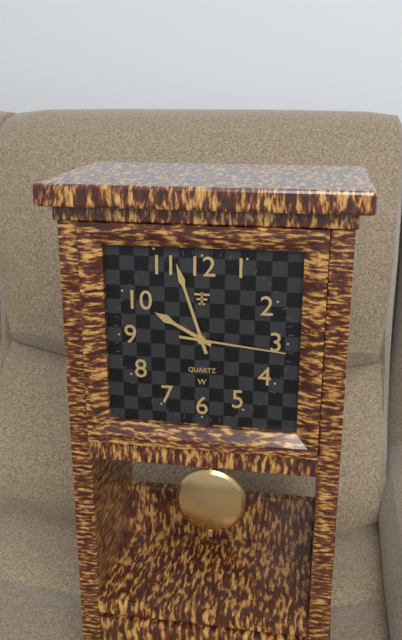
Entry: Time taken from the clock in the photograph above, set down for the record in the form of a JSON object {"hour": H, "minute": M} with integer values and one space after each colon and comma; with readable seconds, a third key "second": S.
{"hour": 9, "minute": 57, "second": 16}
